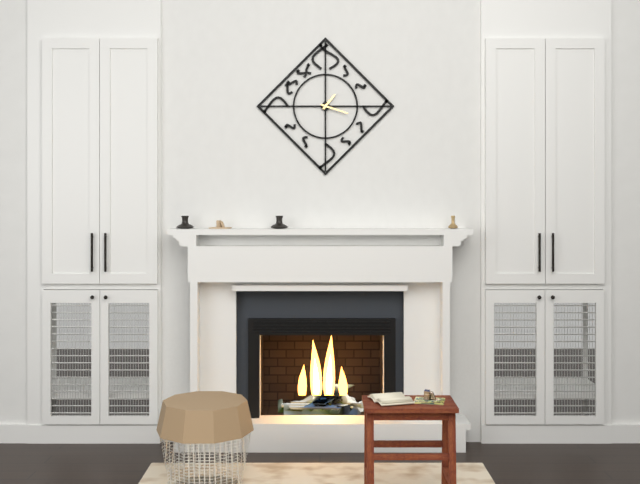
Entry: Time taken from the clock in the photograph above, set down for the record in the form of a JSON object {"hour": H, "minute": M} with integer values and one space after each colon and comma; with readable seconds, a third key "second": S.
{"hour": 1, "minute": 18}
